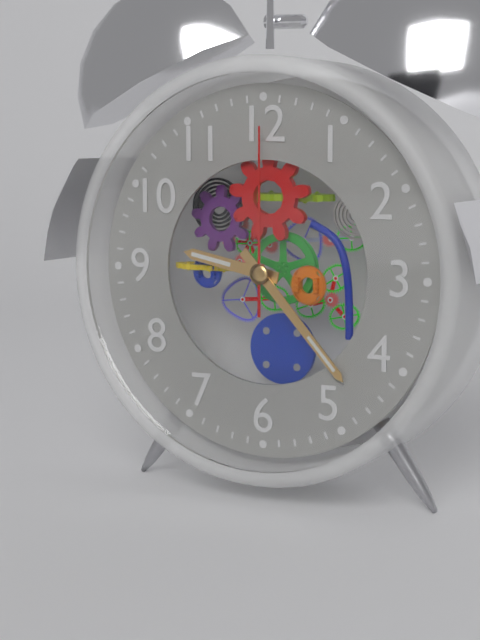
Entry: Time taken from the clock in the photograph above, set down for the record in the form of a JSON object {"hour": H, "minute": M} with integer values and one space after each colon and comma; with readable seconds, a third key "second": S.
{"hour": 9, "minute": 23, "second": 0}
